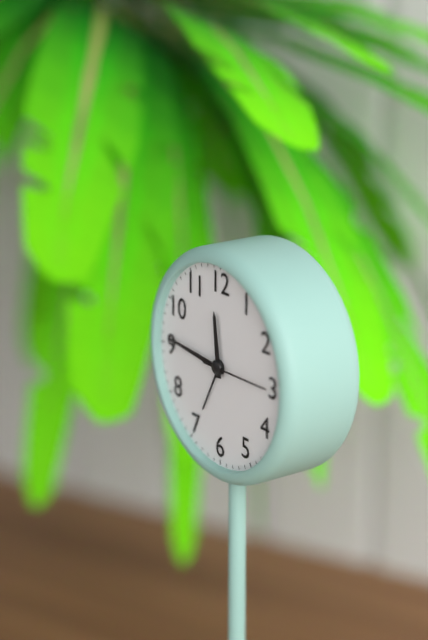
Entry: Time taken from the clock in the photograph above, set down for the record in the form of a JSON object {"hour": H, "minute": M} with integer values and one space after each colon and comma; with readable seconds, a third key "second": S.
{"hour": 11, "minute": 46, "second": 15}
